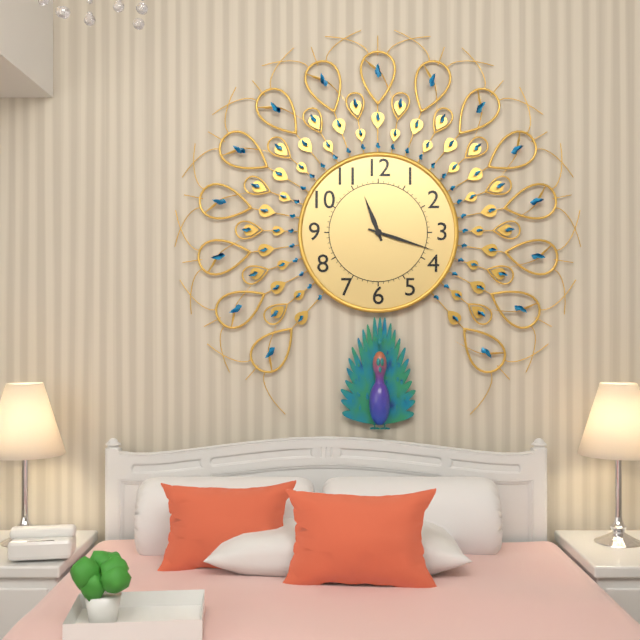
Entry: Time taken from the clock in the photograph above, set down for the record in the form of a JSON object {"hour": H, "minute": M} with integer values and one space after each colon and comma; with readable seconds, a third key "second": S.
{"hour": 11, "minute": 18}
